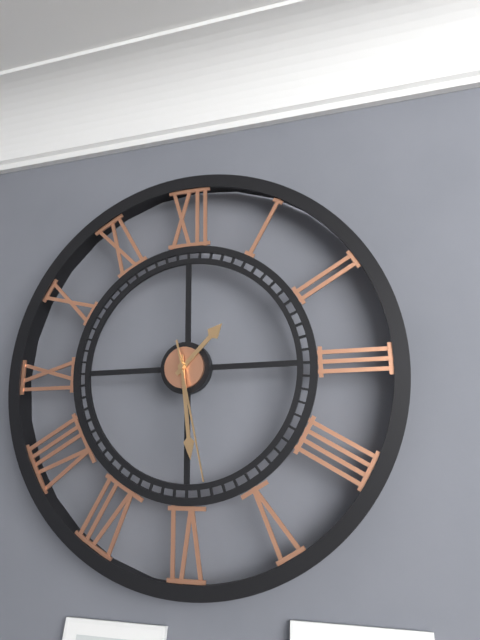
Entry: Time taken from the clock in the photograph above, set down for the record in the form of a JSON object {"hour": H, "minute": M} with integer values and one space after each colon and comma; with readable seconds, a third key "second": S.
{"hour": 1, "minute": 29, "second": 28}
